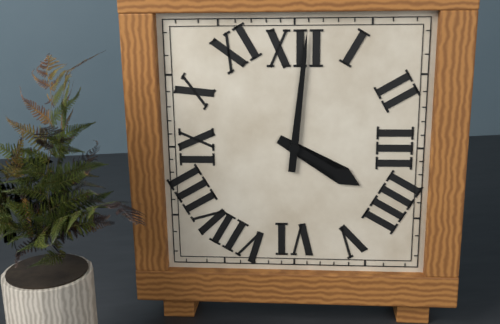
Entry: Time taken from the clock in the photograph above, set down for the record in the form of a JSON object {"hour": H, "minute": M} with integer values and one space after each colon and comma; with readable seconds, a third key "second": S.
{"hour": 4, "minute": 1}
